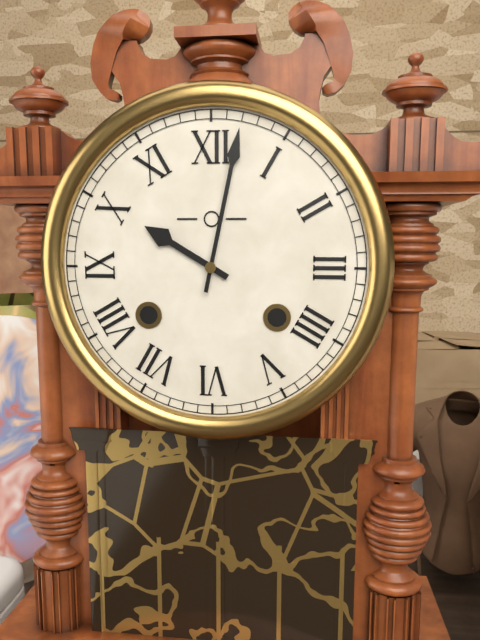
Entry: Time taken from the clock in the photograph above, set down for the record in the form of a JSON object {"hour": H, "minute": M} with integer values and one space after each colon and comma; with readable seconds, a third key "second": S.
{"hour": 10, "minute": 2}
